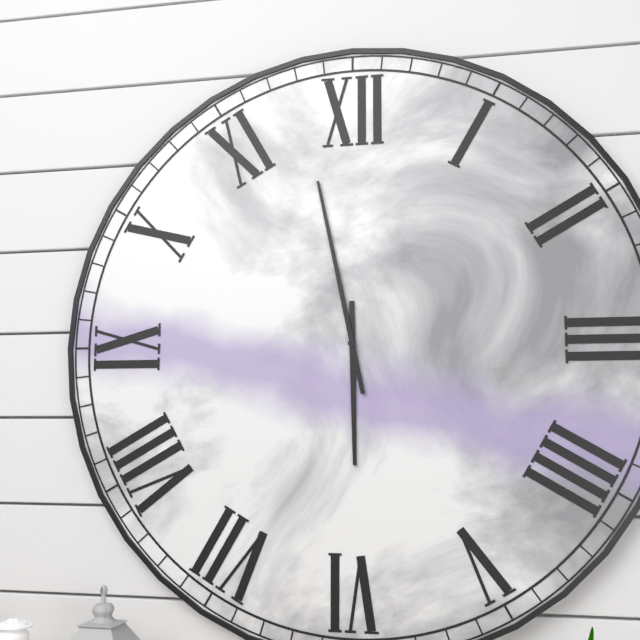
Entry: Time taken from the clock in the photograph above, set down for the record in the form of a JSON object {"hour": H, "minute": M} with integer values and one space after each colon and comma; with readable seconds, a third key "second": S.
{"hour": 5, "minute": 58}
